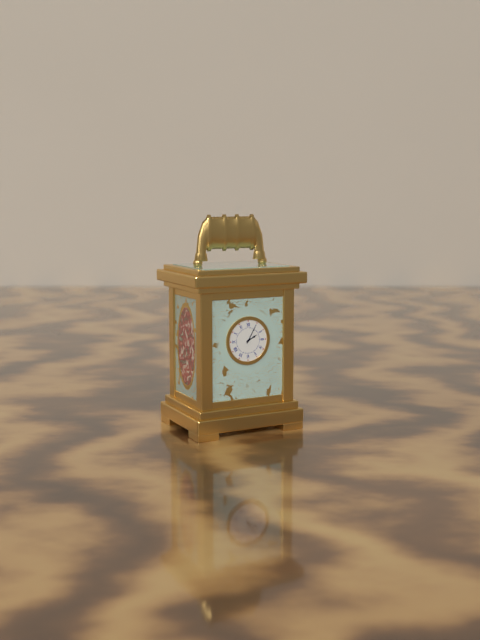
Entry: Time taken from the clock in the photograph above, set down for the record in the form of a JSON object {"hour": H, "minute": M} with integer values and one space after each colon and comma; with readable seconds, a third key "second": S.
{"hour": 2, "minute": 5}
